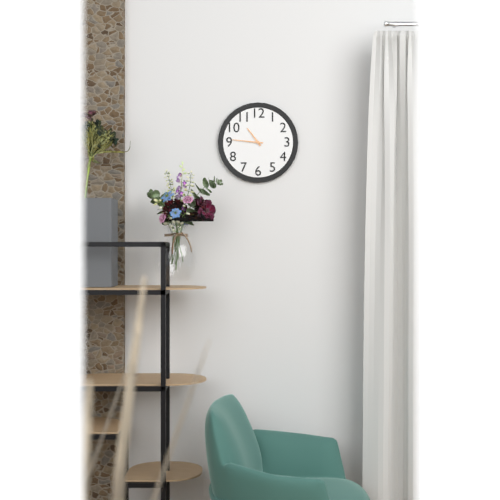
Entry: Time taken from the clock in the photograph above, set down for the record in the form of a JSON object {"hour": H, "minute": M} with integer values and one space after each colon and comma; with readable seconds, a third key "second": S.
{"hour": 10, "minute": 46}
